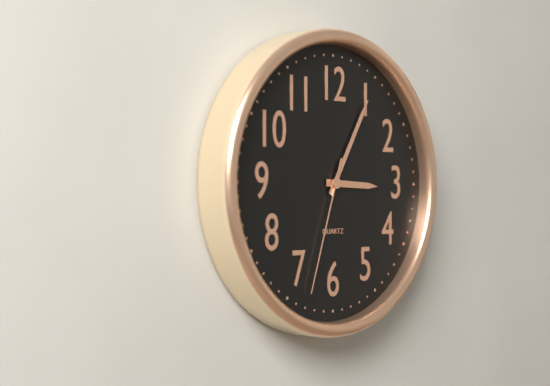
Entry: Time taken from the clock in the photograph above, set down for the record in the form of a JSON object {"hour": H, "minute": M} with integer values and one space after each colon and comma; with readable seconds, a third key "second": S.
{"hour": 3, "minute": 5, "second": 33}
